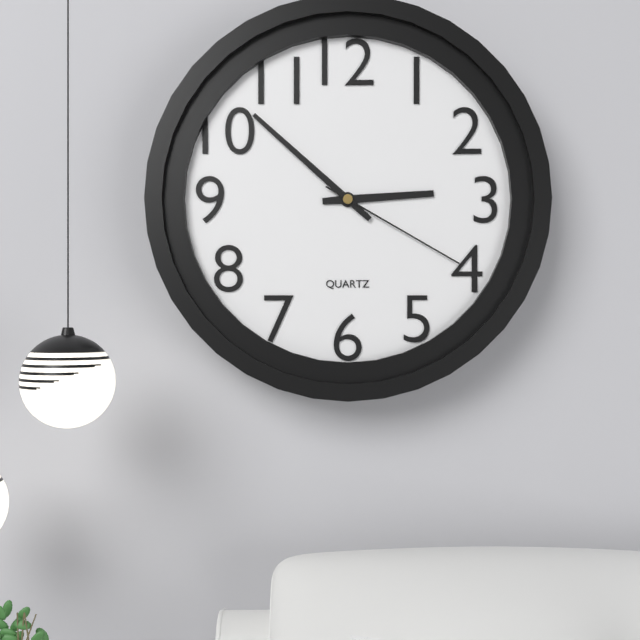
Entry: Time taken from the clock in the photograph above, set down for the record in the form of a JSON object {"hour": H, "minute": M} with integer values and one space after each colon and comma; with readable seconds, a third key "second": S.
{"hour": 2, "minute": 52, "second": 20}
